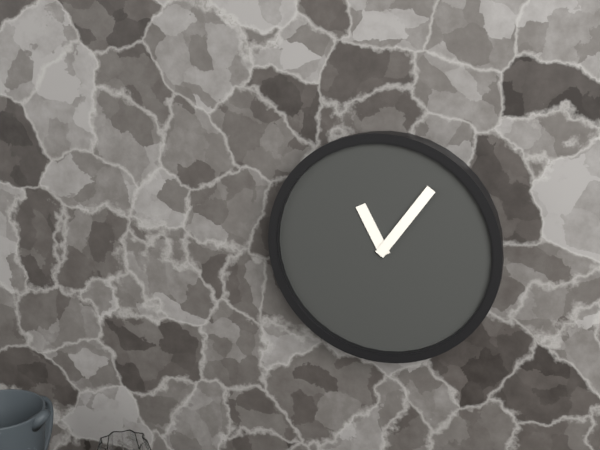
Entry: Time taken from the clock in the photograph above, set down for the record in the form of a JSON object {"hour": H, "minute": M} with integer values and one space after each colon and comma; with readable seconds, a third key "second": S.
{"hour": 11, "minute": 6}
